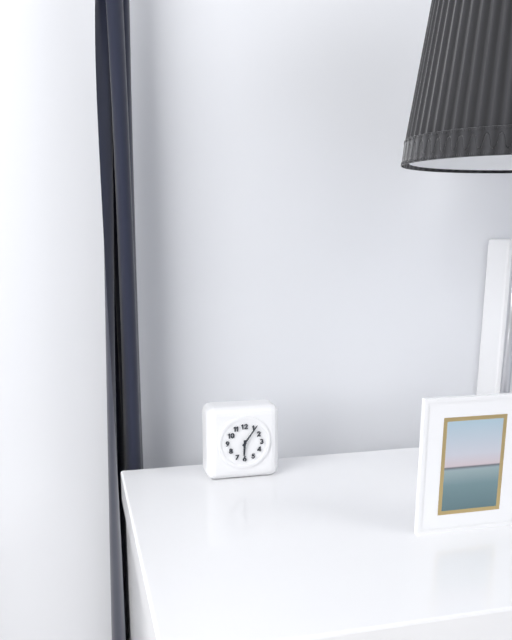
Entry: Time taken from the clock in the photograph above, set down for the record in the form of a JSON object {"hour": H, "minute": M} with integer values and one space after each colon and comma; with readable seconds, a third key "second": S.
{"hour": 6, "minute": 6}
